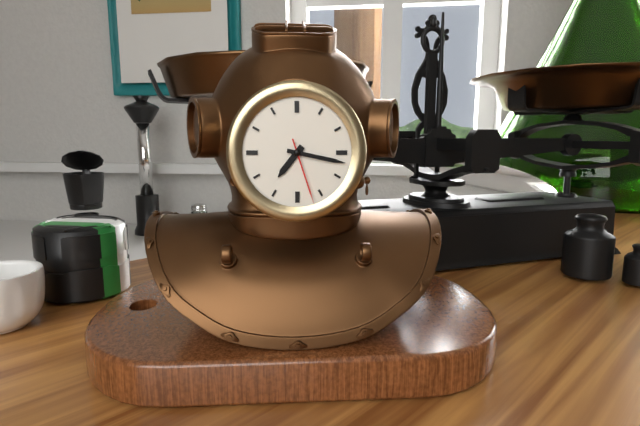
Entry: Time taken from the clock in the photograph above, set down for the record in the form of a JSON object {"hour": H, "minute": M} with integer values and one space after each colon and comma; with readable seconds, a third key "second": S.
{"hour": 7, "minute": 17, "second": 27}
